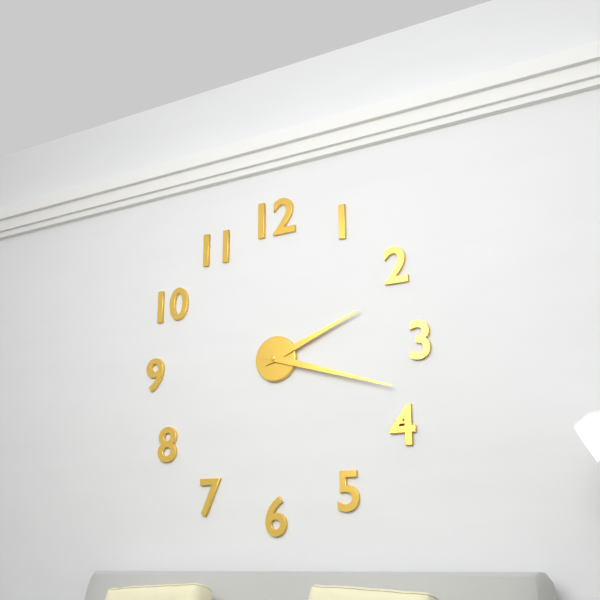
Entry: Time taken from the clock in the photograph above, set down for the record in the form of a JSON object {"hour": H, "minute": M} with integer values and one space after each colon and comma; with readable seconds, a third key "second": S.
{"hour": 2, "minute": 18}
